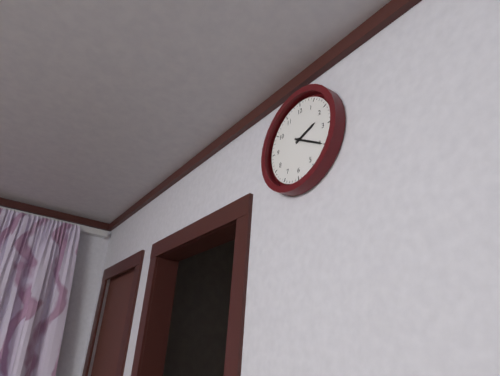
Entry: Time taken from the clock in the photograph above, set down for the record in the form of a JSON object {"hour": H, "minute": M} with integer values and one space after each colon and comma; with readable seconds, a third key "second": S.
{"hour": 2, "minute": 20}
